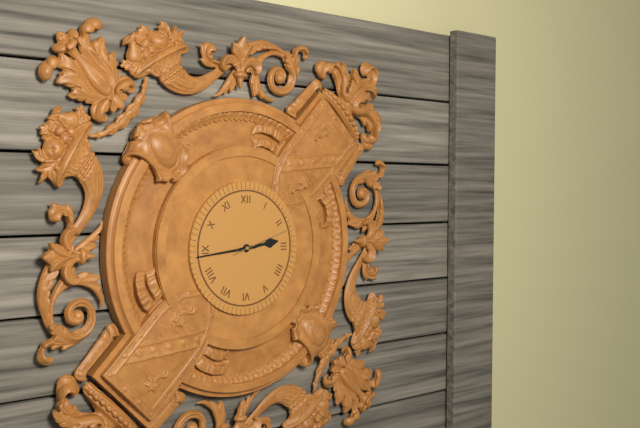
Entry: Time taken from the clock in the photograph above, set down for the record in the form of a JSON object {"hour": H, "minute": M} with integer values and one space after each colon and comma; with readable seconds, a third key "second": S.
{"hour": 2, "minute": 44, "second": 12}
